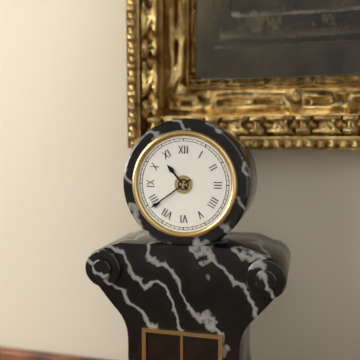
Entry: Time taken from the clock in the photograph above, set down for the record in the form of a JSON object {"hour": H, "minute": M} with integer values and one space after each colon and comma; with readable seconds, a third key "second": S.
{"hour": 10, "minute": 39}
